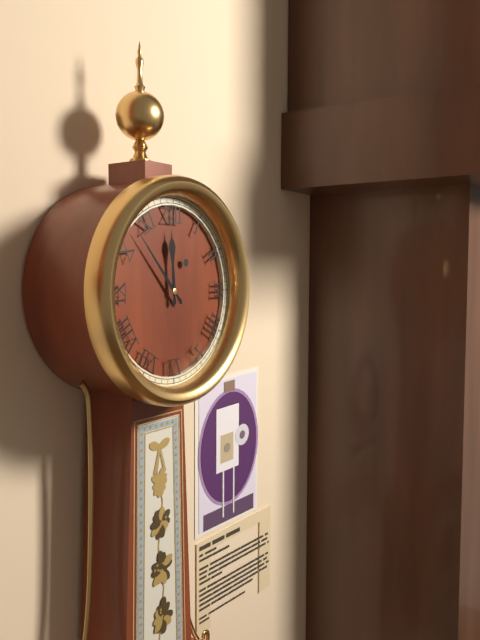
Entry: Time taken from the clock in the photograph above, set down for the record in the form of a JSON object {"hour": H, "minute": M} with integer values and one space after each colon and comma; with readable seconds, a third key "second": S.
{"hour": 11, "minute": 53}
